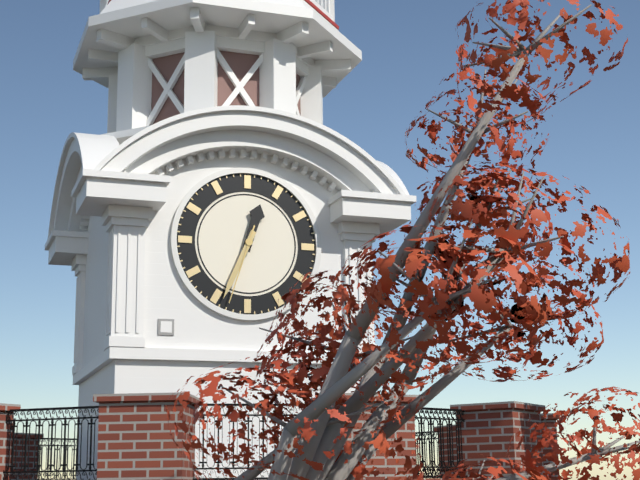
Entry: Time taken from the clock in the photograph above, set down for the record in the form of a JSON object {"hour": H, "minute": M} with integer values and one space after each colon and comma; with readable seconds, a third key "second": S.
{"hour": 12, "minute": 34, "second": 33}
